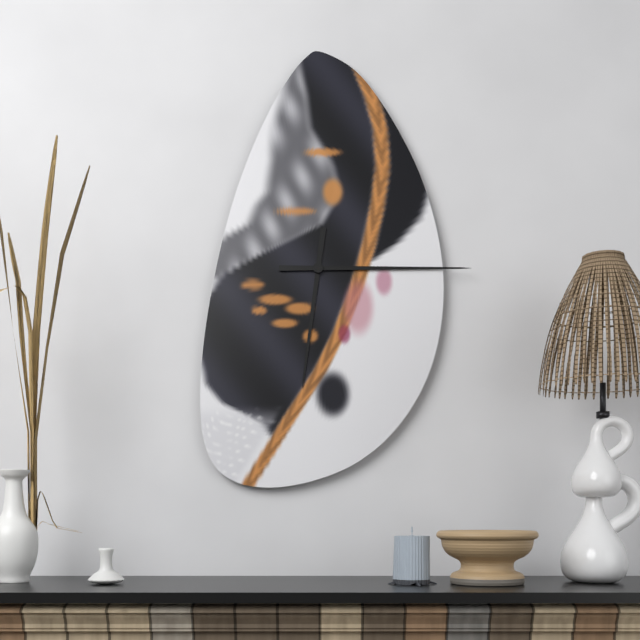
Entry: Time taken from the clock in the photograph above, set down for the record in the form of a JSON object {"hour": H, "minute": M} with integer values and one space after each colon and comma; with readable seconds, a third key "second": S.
{"hour": 6, "minute": 15}
